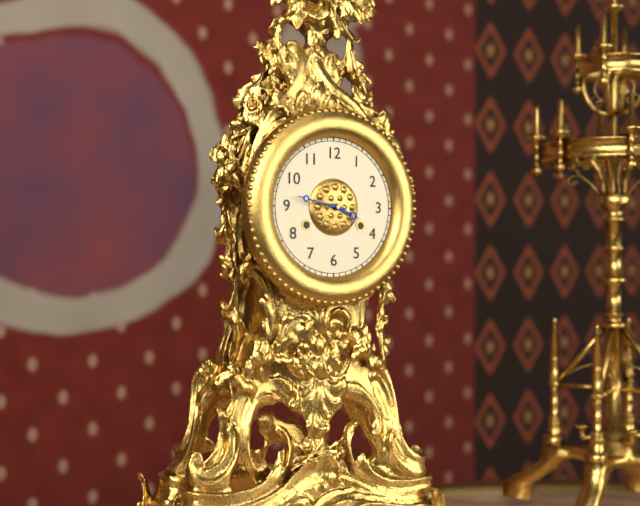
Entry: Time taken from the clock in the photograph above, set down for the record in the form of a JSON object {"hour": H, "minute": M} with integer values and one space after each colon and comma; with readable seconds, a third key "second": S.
{"hour": 3, "minute": 47}
